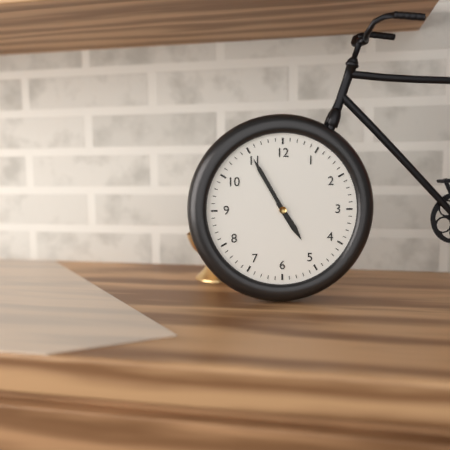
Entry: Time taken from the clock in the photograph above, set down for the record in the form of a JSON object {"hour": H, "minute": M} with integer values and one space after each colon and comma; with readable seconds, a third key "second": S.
{"hour": 4, "minute": 55}
